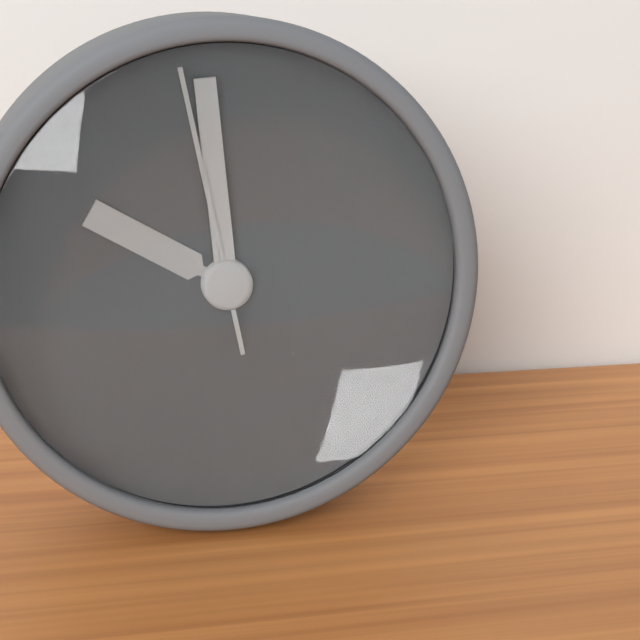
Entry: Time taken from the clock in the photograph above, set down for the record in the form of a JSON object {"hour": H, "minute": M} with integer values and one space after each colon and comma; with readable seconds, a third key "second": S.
{"hour": 9, "minute": 59, "second": 58}
